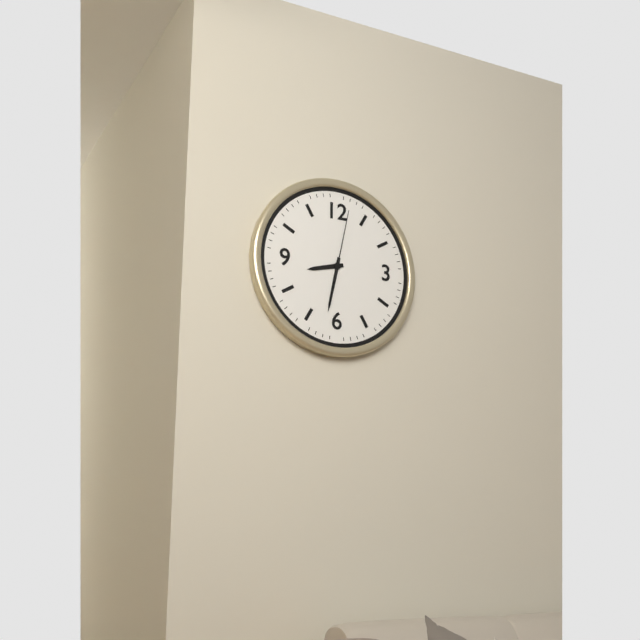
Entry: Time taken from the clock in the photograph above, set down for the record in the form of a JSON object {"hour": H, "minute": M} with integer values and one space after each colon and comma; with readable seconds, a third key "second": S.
{"hour": 8, "minute": 32, "second": 2}
